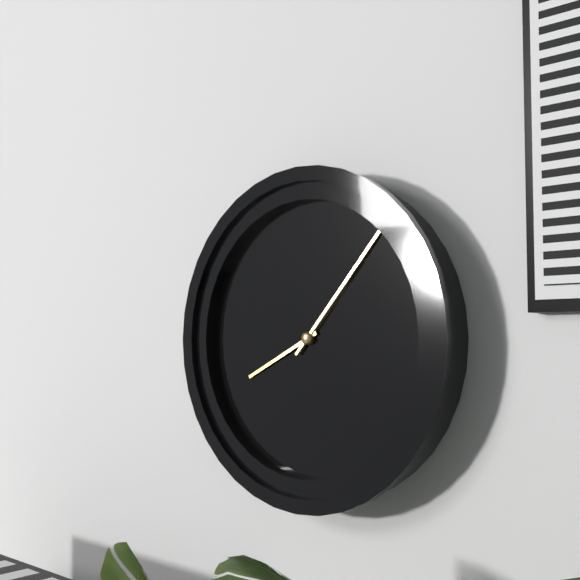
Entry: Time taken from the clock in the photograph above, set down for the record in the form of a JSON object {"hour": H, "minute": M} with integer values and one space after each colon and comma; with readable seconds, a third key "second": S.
{"hour": 8, "minute": 7}
